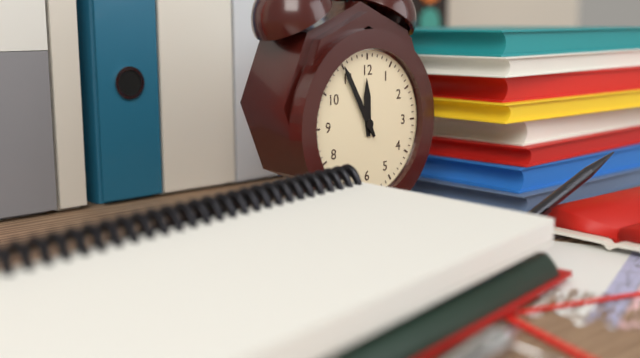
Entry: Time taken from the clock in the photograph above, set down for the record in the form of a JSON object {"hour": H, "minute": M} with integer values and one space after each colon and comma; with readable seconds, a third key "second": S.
{"hour": 11, "minute": 55}
